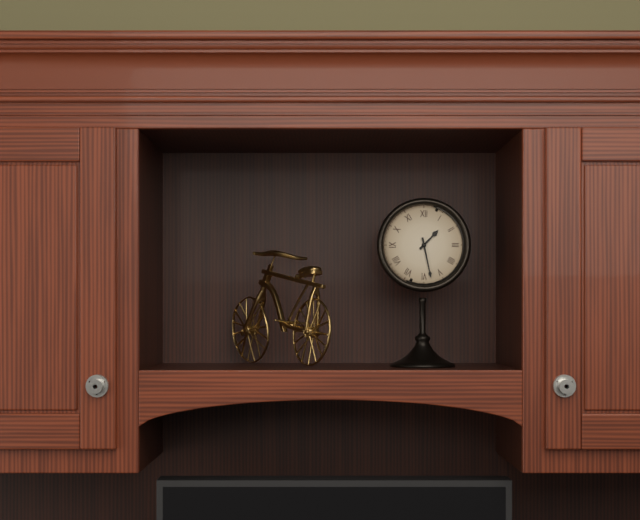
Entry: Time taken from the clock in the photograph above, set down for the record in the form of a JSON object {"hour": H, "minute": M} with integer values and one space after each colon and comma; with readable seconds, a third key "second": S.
{"hour": 1, "minute": 28}
